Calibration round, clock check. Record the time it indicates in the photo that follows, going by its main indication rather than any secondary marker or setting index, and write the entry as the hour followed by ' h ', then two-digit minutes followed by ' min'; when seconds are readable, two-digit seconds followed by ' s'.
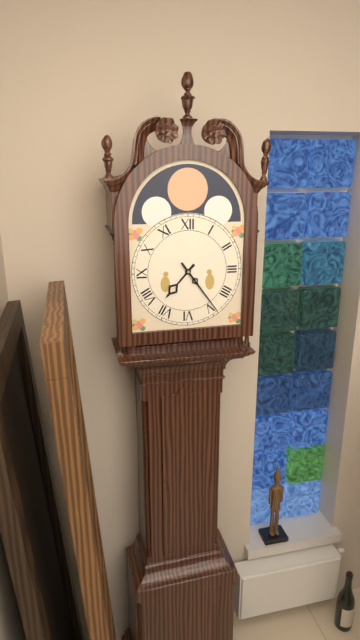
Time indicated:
7 h 24 min
